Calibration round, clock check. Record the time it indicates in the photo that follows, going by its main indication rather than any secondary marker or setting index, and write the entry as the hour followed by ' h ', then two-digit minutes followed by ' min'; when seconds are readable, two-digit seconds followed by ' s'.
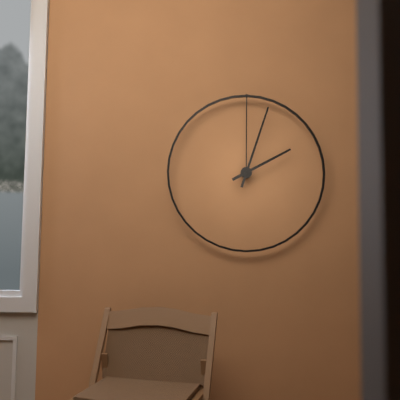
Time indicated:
2 h 03 min
